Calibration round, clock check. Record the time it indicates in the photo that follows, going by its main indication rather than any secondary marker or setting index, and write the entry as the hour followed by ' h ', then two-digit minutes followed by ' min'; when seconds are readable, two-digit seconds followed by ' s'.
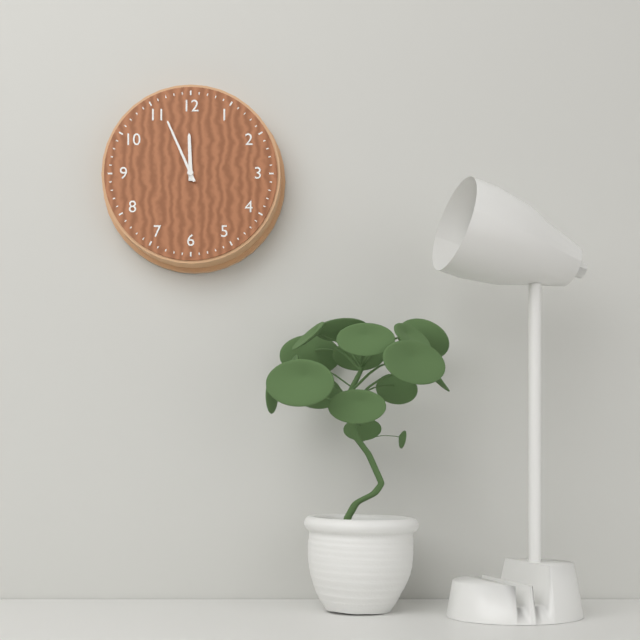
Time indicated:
11 h 56 min
